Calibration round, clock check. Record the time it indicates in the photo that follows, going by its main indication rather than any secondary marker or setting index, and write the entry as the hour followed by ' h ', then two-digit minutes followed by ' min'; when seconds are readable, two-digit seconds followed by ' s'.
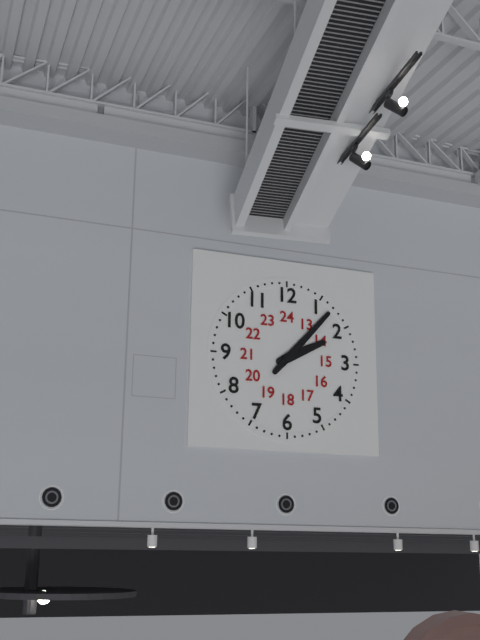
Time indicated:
2 h 07 min
